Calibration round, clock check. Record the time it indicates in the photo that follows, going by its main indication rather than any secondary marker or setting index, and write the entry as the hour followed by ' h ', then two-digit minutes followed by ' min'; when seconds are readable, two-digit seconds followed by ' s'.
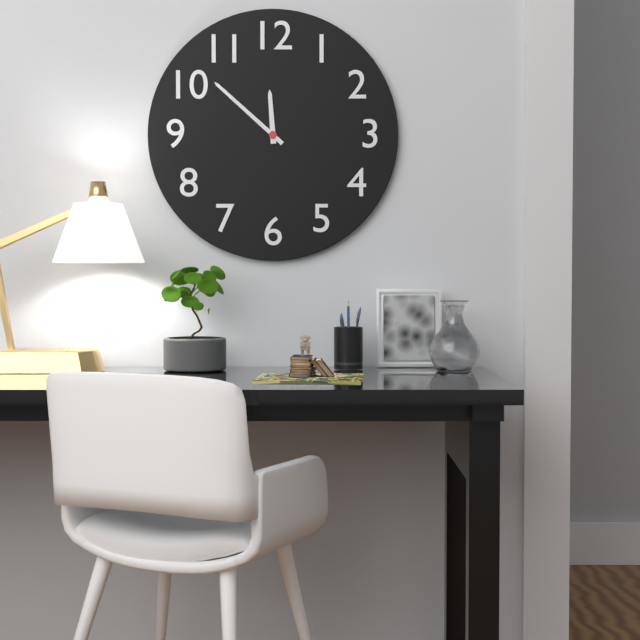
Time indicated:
11 h 52 min
